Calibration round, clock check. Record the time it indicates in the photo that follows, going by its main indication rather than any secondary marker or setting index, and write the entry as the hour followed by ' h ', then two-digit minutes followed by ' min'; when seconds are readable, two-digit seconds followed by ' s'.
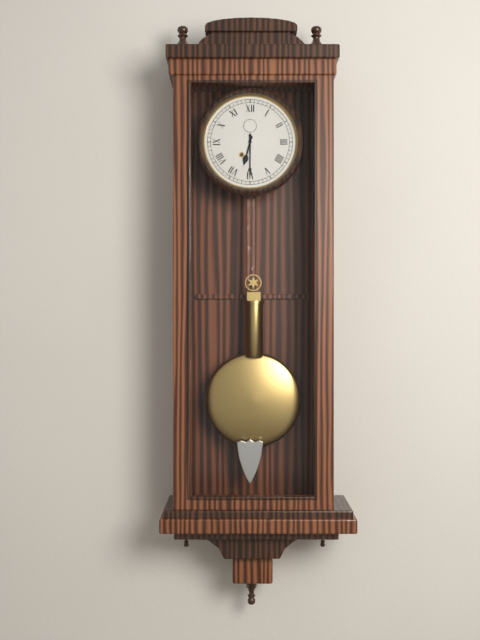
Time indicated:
6 h 30 min
